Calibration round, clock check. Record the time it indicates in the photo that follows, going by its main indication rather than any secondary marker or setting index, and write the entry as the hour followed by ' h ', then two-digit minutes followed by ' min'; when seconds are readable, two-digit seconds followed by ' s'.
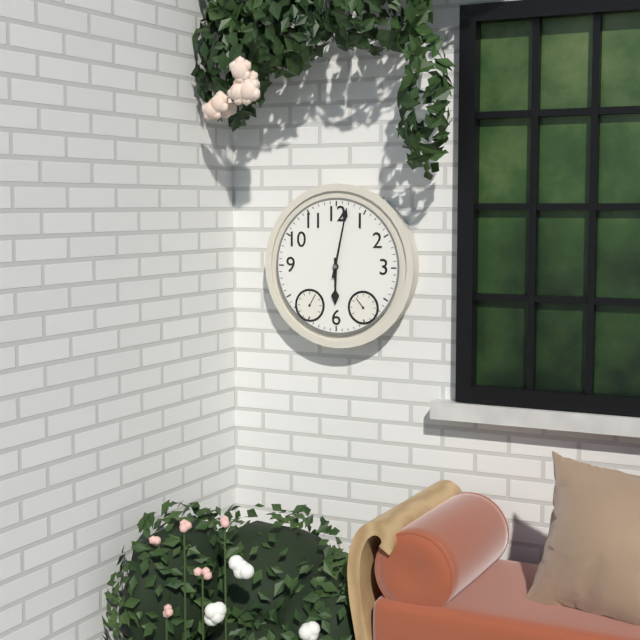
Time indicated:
6 h 02 min
